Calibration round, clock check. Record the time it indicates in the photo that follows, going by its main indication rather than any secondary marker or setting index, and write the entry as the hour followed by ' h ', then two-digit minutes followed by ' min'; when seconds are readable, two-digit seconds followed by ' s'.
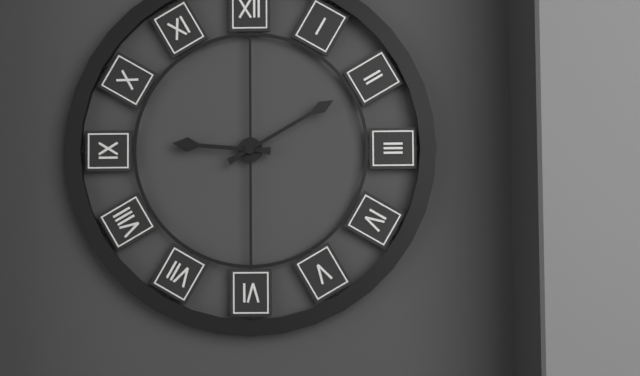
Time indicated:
9 h 10 min
